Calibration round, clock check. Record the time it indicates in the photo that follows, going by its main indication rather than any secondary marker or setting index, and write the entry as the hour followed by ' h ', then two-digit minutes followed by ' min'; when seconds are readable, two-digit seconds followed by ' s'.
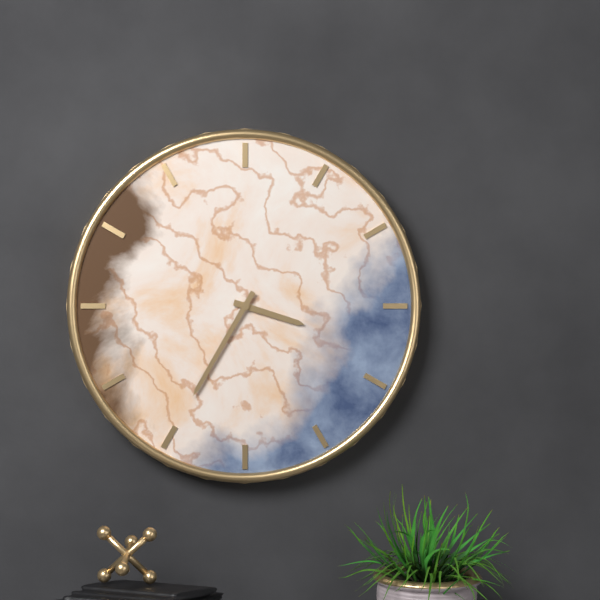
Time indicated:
3 h 35 min
